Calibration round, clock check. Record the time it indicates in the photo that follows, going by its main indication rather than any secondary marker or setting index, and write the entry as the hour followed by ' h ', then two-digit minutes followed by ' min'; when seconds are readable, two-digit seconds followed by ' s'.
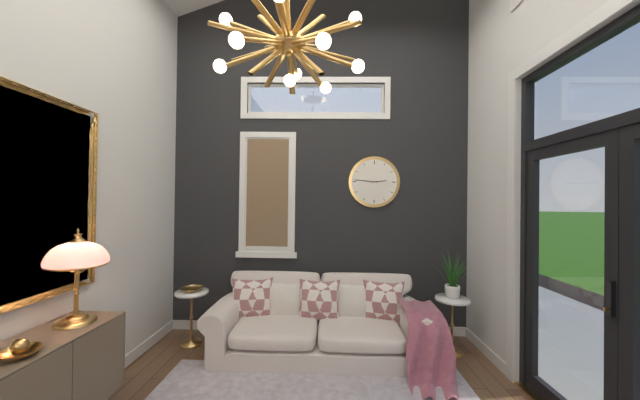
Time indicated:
2 h 46 min
